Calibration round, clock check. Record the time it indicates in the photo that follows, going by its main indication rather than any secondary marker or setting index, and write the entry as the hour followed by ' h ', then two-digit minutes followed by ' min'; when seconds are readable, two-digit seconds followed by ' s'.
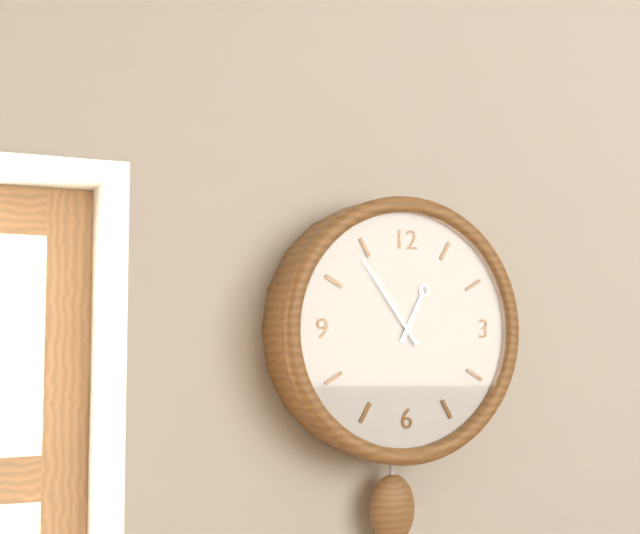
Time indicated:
12 h 54 min
